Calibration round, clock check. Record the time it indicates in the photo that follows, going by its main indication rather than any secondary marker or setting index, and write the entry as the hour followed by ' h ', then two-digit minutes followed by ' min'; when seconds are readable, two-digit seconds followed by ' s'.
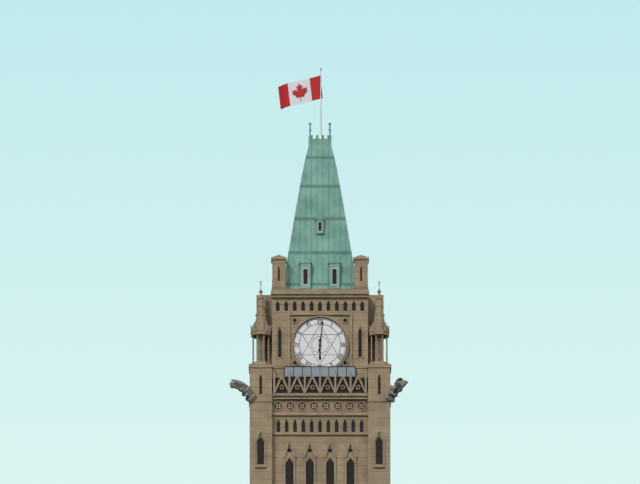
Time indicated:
6 h 01 min
